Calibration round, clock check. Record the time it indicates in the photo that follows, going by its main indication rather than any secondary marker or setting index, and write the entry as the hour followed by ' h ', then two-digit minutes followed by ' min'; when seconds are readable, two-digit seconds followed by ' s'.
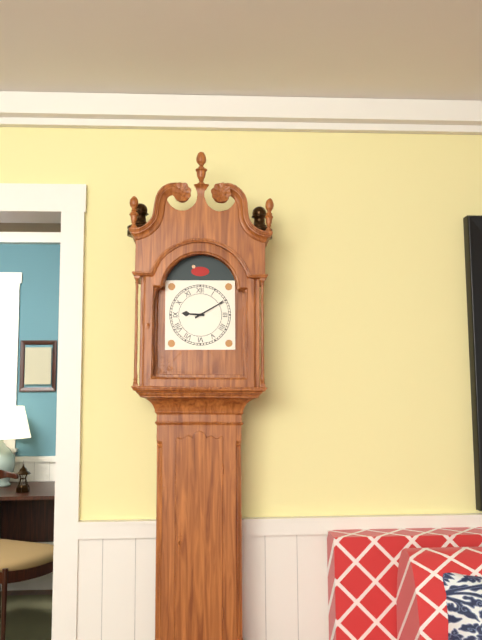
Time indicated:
9 h 10 min
